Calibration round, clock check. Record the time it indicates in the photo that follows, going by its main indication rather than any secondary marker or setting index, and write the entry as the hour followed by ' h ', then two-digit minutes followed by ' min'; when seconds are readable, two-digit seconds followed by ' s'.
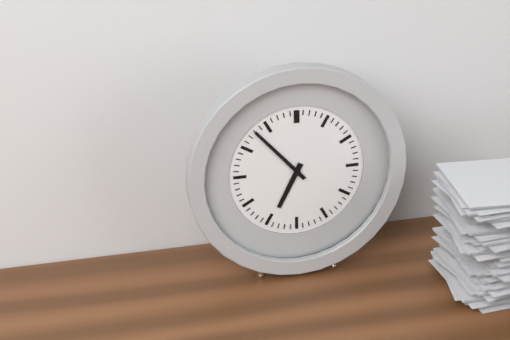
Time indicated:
6 h 53 min
